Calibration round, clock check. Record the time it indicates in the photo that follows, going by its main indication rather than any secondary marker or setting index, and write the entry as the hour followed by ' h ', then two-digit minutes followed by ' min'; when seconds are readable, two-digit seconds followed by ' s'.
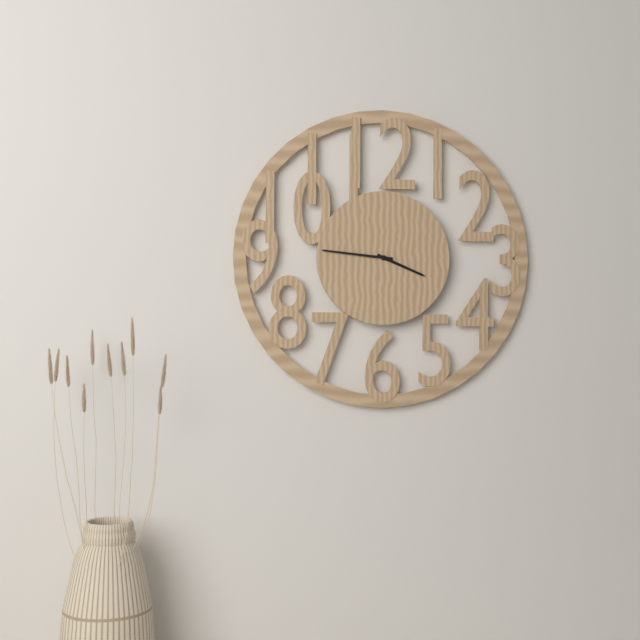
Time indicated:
3 h 46 min
